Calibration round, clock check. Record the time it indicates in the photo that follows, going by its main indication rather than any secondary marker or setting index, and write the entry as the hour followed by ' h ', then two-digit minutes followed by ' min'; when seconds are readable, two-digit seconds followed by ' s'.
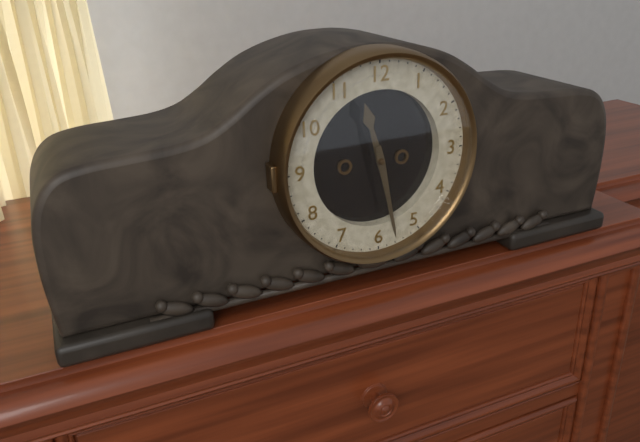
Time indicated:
11 h 28 min
